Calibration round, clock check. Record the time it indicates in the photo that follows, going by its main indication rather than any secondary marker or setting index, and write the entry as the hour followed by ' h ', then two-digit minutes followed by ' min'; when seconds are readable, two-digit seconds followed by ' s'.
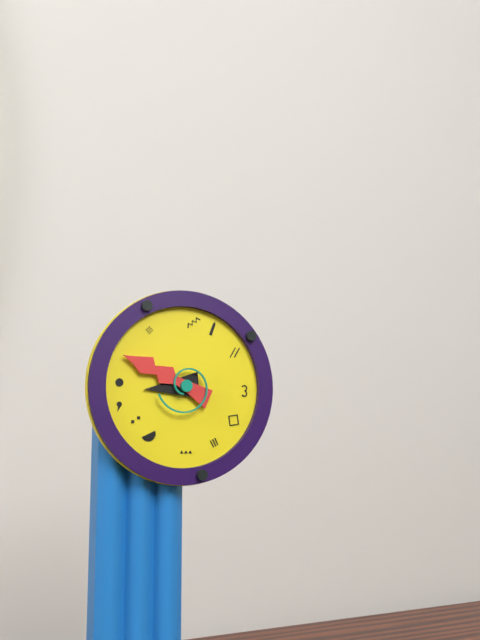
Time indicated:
8 h 49 min
